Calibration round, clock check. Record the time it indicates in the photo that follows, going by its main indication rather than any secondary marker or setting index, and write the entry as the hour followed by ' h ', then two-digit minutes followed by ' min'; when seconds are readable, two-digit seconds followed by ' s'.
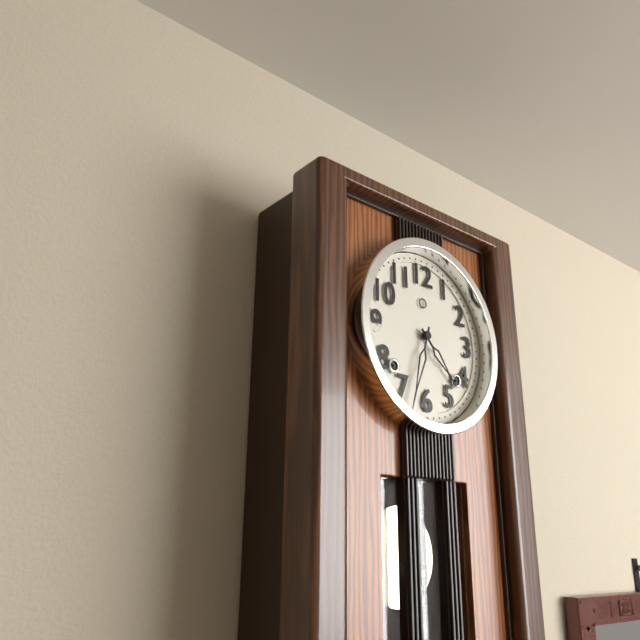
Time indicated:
4 h 33 min
